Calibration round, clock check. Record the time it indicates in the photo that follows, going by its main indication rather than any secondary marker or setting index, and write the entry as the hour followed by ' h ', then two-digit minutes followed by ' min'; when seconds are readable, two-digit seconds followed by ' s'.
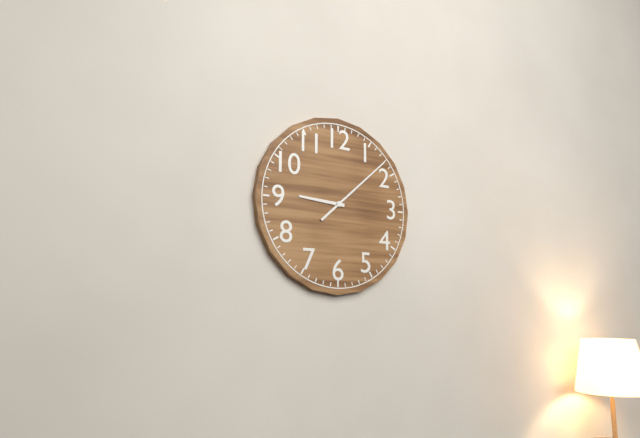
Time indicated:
9 h 08 min
